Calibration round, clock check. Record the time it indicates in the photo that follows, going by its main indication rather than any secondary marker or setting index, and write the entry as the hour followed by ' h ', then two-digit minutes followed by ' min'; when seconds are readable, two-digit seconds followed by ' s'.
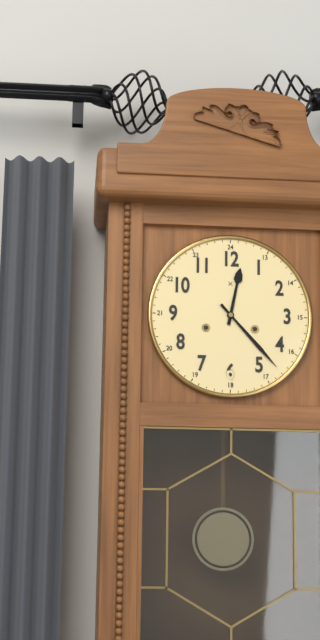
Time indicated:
12 h 23 min
